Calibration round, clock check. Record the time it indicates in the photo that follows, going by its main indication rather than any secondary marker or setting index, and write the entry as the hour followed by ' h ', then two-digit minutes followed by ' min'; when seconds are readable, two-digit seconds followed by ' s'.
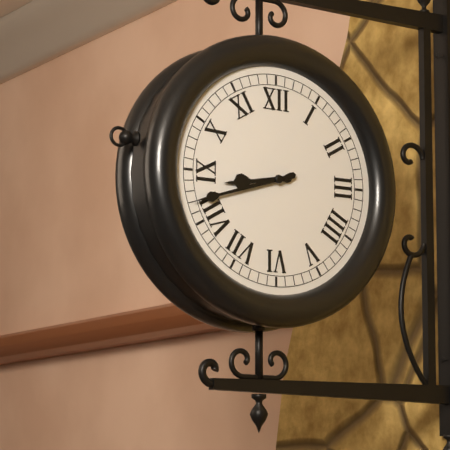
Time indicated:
8 h 42 min
